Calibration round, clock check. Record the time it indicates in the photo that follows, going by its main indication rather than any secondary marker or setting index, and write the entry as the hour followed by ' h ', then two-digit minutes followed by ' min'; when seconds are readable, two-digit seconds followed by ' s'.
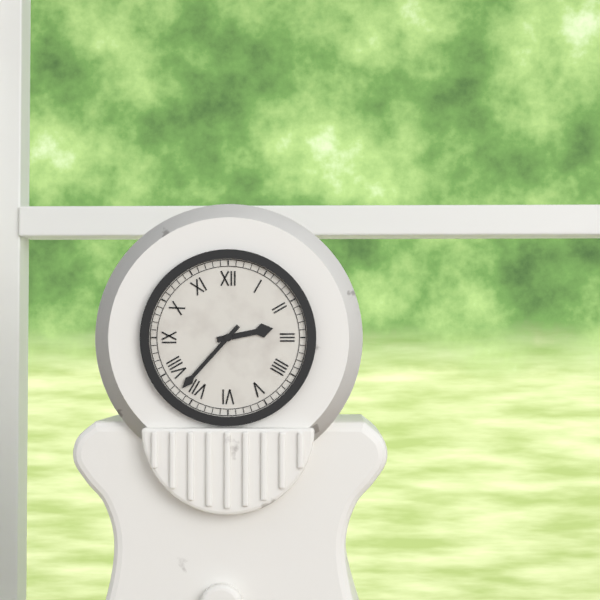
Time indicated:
2 h 37 min
